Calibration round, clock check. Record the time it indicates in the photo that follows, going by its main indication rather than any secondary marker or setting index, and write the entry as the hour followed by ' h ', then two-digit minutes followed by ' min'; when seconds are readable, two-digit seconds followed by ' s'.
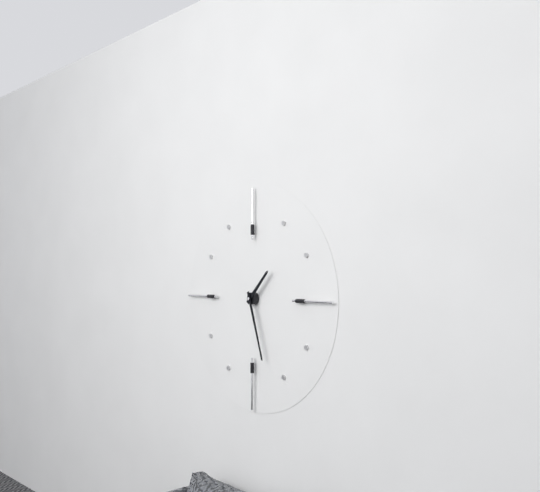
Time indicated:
1 h 27 min
